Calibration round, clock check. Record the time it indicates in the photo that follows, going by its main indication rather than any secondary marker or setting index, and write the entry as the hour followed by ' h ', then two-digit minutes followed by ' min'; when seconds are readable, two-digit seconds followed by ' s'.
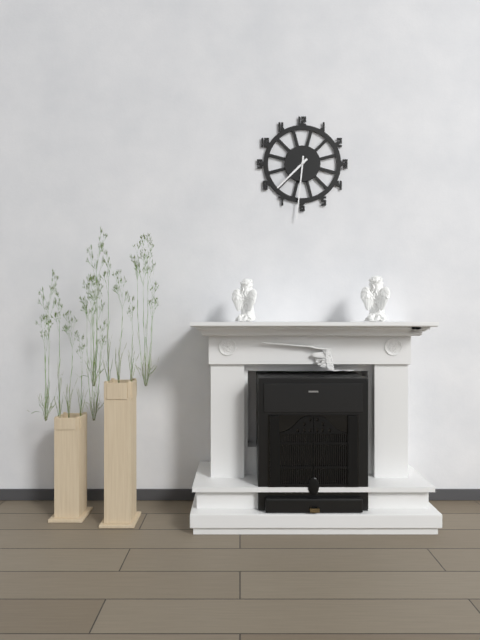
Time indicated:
7 h 31 min
